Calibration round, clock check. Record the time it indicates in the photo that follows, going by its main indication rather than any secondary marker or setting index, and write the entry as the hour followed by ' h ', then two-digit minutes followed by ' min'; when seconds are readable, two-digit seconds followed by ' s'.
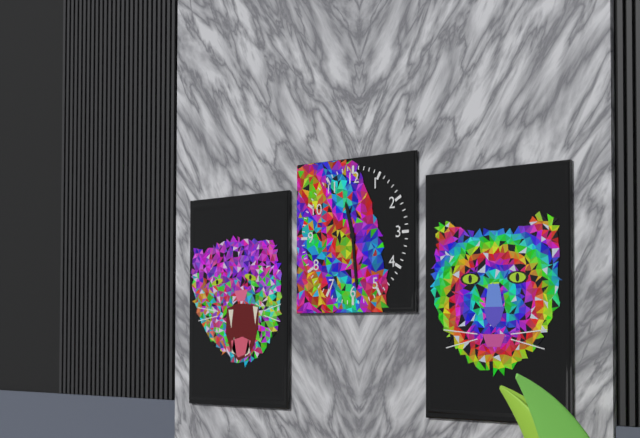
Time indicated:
11 h 29 min
